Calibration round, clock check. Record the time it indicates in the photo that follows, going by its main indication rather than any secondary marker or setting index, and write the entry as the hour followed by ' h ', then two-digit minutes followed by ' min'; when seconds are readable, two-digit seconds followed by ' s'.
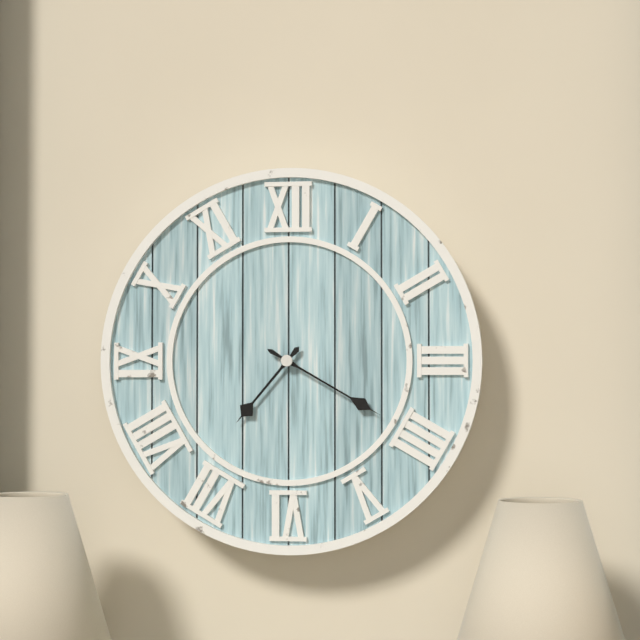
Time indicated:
7 h 20 min
